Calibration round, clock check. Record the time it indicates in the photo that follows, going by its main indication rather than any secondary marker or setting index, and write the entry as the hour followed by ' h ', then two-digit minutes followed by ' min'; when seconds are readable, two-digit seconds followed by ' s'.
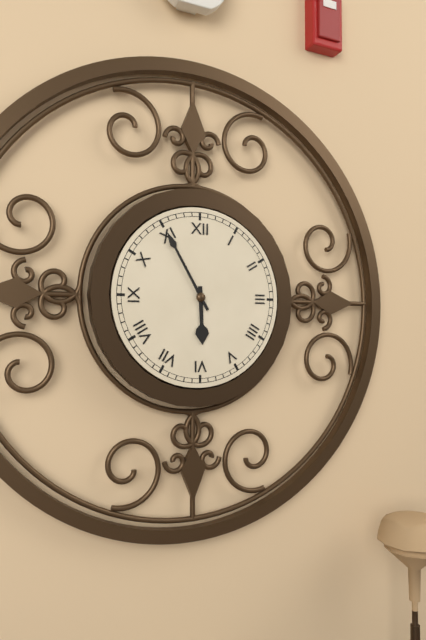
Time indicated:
5 h 55 min
